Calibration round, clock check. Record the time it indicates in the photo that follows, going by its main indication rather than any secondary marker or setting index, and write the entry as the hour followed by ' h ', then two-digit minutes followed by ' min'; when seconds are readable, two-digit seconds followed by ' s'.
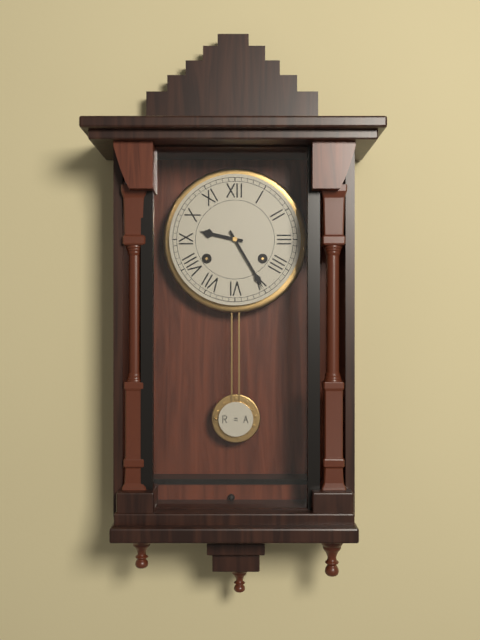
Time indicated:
9 h 25 min
